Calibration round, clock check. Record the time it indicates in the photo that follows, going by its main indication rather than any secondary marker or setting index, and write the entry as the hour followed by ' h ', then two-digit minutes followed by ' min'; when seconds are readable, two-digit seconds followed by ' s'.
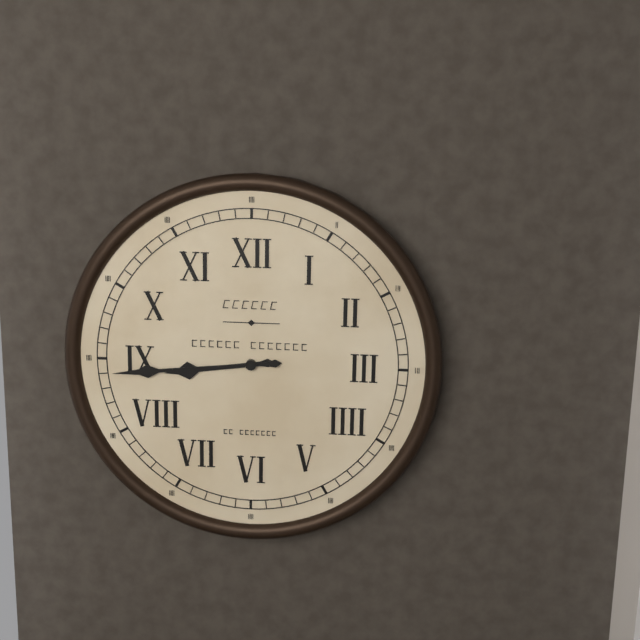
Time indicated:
8 h 44 min
